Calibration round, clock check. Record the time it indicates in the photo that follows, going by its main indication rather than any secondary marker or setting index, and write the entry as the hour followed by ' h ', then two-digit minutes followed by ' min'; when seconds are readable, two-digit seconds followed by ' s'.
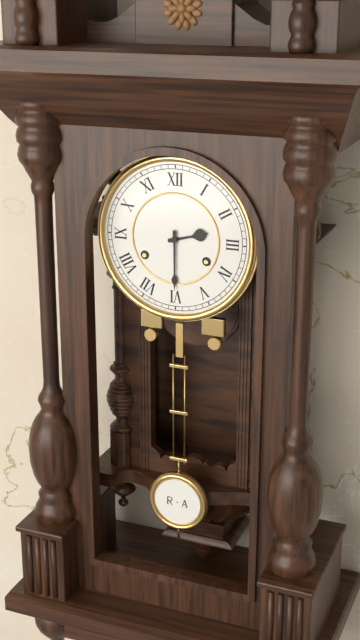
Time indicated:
2 h 30 min
